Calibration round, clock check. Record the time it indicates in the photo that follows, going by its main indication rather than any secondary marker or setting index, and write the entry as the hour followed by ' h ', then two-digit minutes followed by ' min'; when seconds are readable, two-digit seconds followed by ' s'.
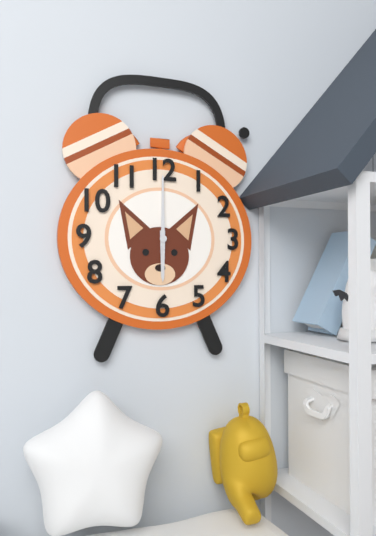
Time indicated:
6 h 00 min
